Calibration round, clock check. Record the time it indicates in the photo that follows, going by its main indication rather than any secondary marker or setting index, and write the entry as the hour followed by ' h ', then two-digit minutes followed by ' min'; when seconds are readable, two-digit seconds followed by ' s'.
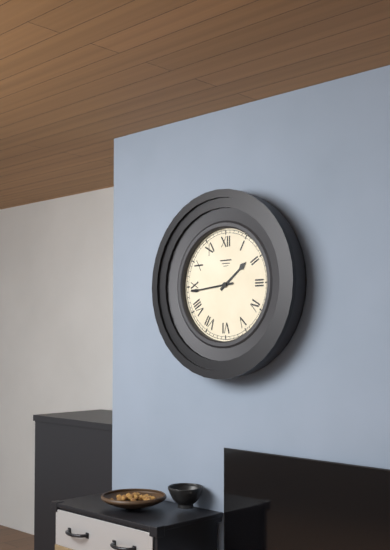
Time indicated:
1 h 44 min
